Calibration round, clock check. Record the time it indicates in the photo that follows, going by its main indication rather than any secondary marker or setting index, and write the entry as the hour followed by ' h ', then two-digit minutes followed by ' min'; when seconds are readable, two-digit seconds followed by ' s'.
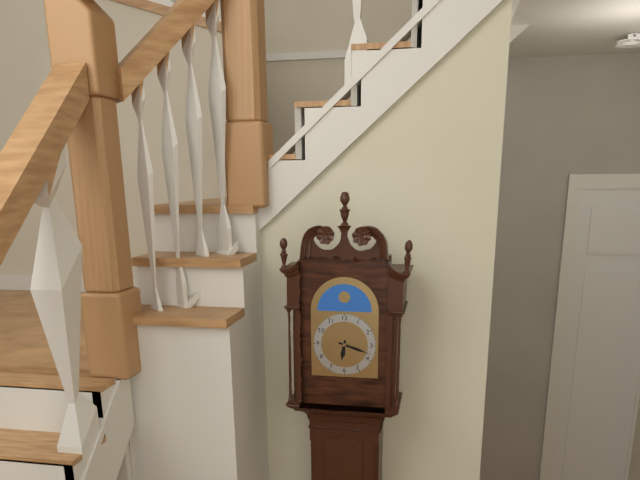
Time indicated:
6 h 18 min
